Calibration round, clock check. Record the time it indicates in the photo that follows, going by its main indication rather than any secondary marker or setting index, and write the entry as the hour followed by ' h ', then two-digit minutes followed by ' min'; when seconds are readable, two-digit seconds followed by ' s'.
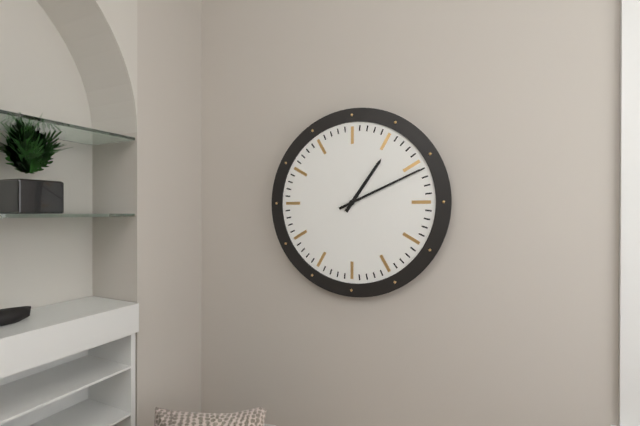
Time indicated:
1 h 11 min
